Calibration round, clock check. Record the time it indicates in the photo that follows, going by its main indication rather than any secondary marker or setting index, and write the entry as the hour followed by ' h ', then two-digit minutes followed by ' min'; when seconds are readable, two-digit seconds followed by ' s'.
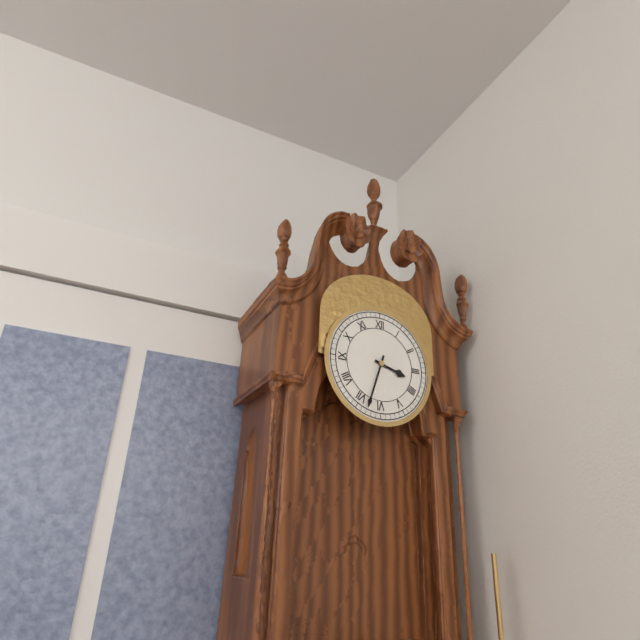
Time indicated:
3 h 33 min
